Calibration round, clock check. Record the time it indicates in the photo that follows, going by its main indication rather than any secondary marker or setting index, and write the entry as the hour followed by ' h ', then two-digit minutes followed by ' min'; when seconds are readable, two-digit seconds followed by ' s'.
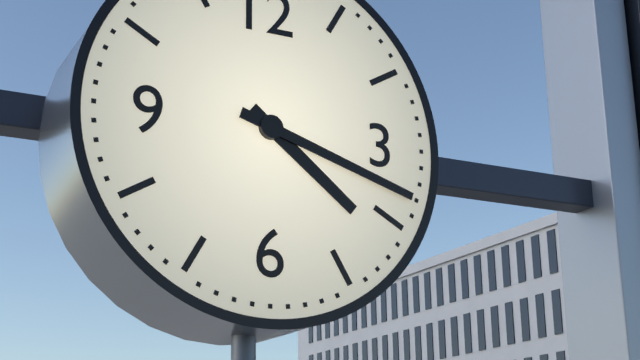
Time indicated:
4 h 18 min
